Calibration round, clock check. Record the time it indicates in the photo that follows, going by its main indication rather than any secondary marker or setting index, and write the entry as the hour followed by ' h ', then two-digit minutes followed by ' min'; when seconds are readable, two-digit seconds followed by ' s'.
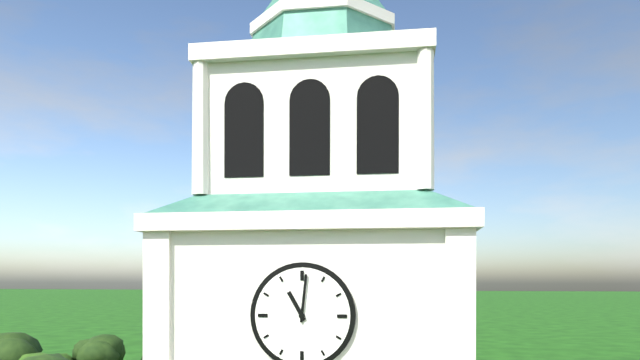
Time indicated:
11 h 01 min
